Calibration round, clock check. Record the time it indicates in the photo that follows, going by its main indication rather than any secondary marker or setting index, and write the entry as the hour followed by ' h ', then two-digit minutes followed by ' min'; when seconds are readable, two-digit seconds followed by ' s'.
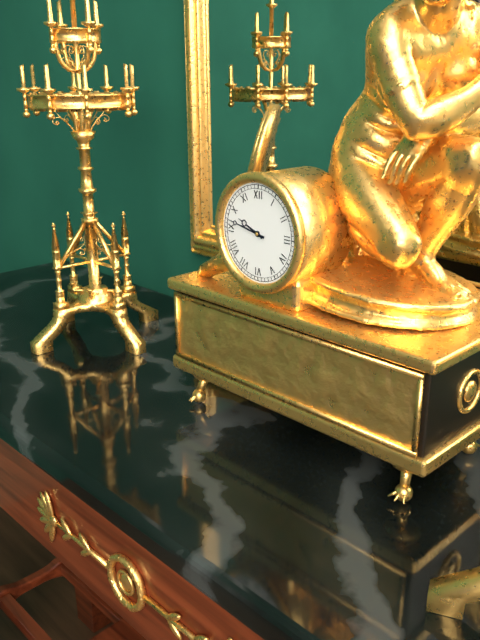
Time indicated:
9 h 47 min
